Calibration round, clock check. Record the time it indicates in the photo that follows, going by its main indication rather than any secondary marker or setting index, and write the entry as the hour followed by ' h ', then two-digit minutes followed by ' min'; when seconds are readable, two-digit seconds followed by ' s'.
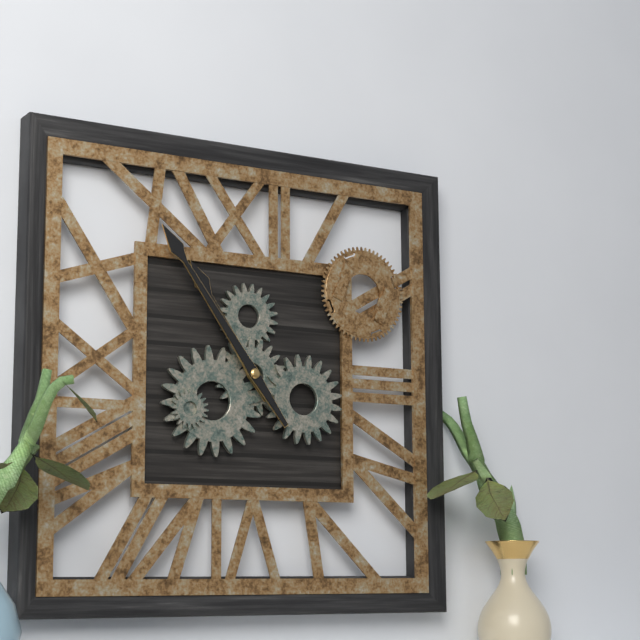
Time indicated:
10 h 54 min
